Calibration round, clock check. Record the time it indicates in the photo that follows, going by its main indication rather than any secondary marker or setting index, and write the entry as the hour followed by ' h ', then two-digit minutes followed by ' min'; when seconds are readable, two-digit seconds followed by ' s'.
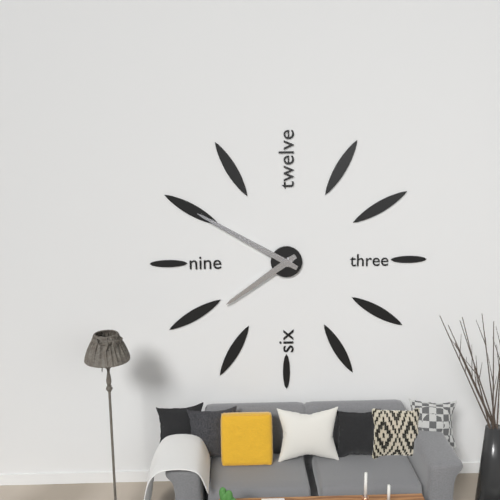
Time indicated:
7 h 50 min
